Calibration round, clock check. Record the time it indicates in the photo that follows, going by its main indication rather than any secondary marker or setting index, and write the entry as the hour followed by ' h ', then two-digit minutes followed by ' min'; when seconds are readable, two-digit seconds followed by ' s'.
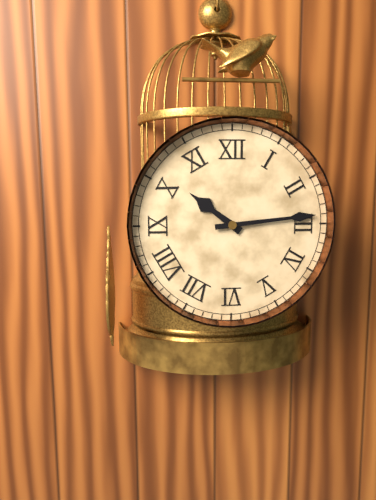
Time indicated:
10 h 14 min
